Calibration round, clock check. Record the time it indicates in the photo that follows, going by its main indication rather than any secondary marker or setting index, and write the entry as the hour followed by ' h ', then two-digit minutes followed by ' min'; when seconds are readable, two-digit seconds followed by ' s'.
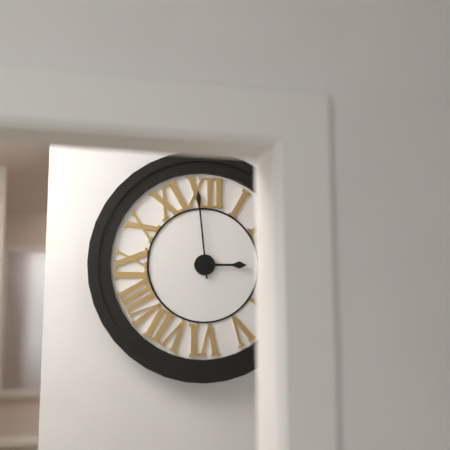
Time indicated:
2 h 59 min
